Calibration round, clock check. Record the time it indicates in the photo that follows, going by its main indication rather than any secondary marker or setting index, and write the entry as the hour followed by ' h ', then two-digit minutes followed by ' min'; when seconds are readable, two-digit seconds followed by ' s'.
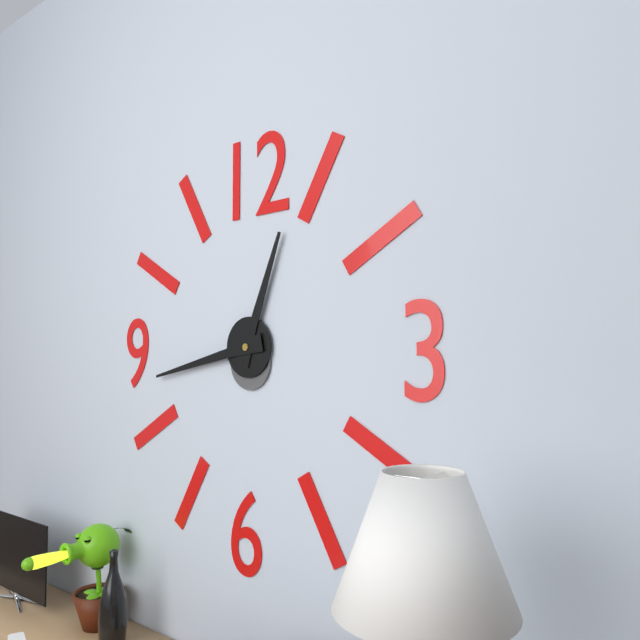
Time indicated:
12 h 43 min
